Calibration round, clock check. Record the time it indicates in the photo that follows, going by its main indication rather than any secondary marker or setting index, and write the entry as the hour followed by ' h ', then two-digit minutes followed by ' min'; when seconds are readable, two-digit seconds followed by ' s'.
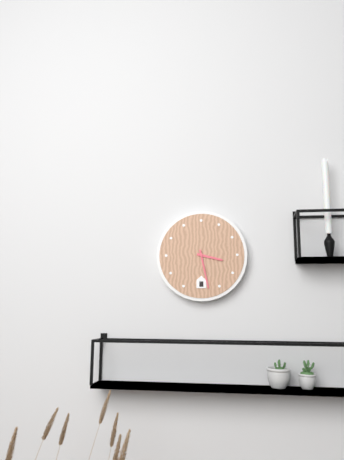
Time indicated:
3 h 28 min
